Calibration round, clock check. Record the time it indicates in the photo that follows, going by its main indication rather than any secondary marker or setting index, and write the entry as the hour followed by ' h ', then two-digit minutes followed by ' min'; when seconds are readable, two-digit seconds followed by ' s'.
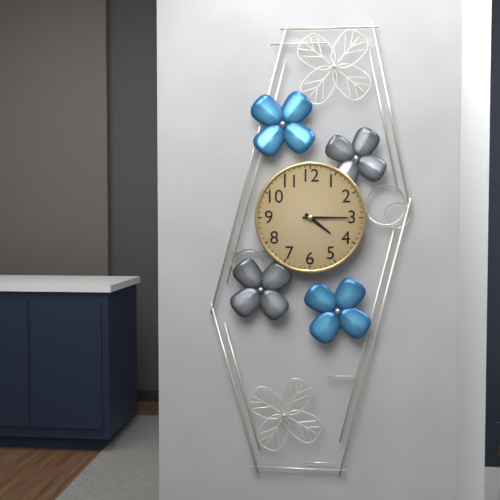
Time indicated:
4 h 15 min
